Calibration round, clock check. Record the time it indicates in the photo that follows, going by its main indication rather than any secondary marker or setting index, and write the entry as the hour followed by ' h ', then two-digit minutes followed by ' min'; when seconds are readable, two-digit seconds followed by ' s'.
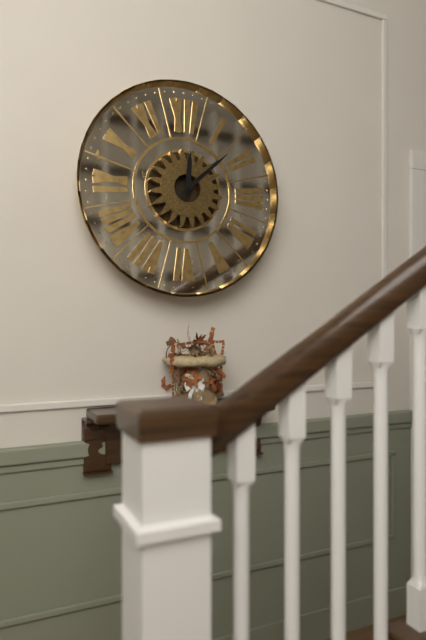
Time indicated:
12 h 08 min
